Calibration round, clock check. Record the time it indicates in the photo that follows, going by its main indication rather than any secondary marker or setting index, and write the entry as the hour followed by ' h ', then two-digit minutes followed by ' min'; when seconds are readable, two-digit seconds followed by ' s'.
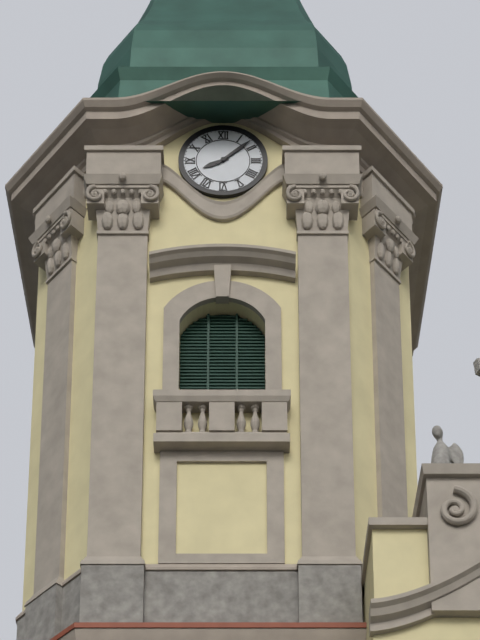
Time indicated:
8 h 08 min
